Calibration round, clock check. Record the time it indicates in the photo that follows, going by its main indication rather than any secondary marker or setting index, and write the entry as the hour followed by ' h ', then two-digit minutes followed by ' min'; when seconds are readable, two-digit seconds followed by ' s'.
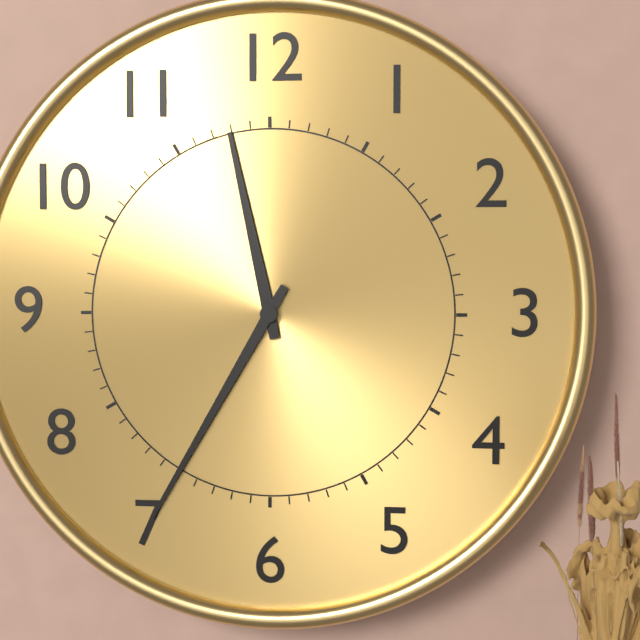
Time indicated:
11 h 35 min
